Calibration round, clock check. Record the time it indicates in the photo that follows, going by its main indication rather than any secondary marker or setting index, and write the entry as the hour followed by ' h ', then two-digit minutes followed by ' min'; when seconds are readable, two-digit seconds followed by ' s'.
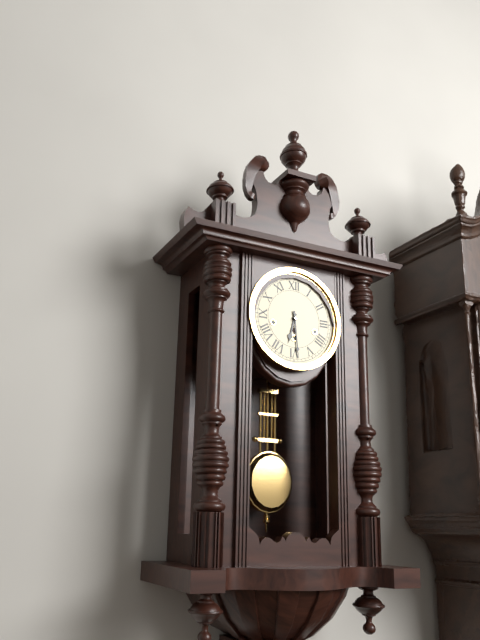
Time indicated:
6 h 29 min
